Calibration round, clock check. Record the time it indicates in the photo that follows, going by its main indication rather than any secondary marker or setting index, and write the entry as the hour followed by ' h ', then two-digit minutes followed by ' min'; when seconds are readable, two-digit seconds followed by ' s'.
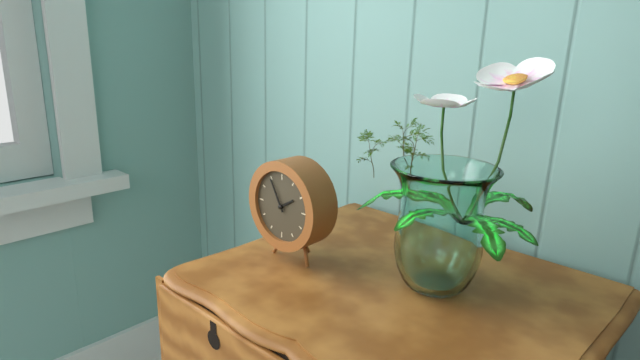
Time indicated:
1 h 55 min
